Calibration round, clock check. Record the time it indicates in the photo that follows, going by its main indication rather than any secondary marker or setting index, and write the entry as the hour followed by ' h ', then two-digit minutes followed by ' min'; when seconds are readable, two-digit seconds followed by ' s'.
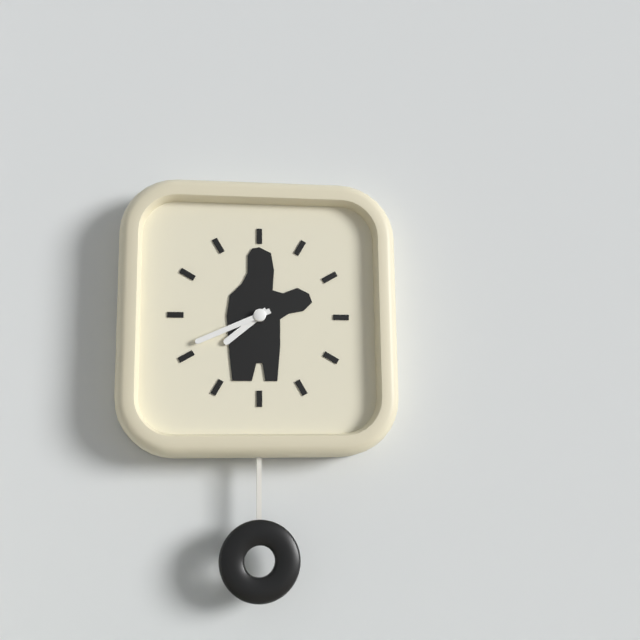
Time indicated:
7 h 41 min
